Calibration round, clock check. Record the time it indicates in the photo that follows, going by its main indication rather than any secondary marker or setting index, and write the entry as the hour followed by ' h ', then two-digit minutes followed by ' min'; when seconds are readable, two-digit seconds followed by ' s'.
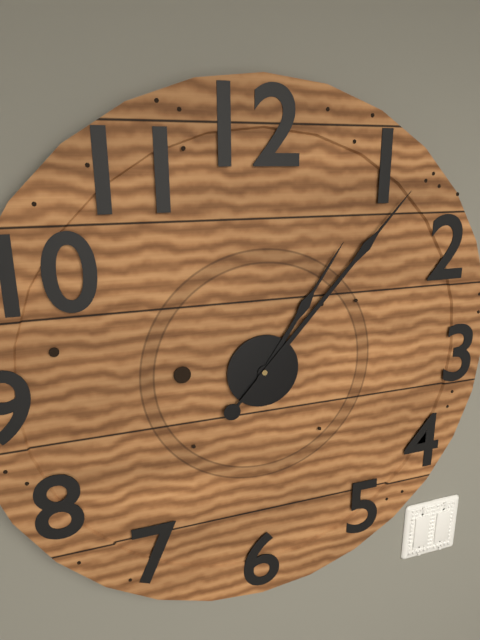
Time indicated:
1 h 07 min
